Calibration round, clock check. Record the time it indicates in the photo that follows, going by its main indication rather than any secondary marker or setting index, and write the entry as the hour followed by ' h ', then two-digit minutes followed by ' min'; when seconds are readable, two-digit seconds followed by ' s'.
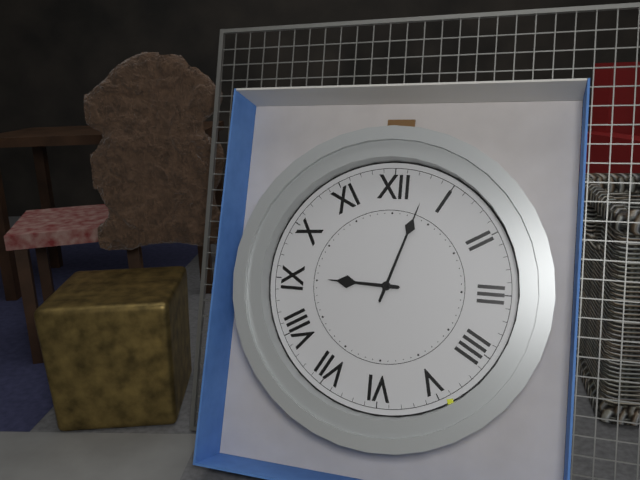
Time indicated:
9 h 03 min
